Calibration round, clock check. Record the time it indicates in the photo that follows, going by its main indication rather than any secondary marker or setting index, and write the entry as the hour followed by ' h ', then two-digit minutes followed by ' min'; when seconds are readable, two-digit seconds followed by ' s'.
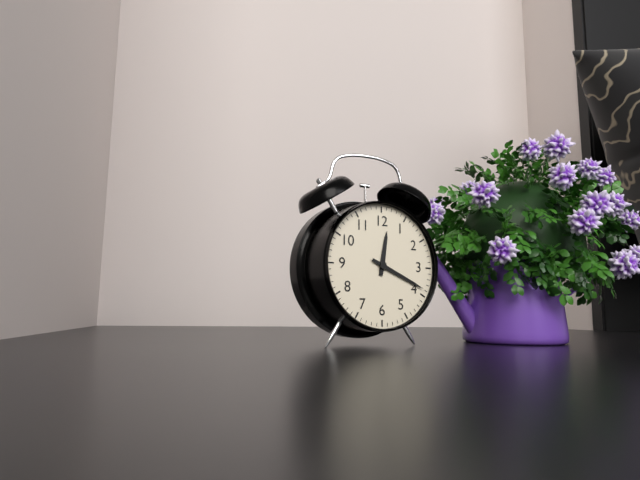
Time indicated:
12 h 19 min
